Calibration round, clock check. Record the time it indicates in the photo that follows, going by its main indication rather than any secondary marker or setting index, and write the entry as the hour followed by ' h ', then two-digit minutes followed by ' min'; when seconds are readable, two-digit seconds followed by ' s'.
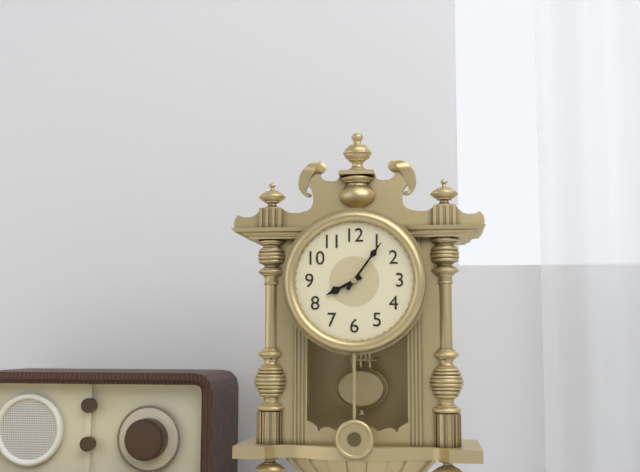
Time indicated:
8 h 06 min
